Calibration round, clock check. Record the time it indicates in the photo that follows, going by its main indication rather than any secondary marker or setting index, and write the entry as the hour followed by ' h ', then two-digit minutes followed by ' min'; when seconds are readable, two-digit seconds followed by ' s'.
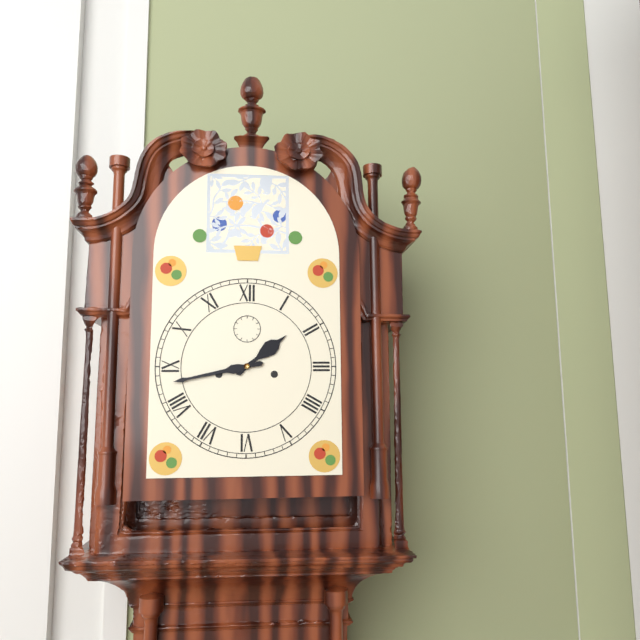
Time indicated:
1 h 43 min
